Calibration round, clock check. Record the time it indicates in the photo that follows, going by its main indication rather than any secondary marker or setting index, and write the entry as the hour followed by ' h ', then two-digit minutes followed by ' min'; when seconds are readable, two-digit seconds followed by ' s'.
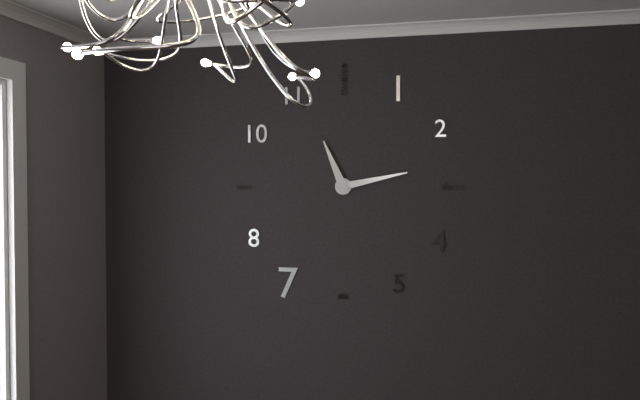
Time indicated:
11 h 13 min
